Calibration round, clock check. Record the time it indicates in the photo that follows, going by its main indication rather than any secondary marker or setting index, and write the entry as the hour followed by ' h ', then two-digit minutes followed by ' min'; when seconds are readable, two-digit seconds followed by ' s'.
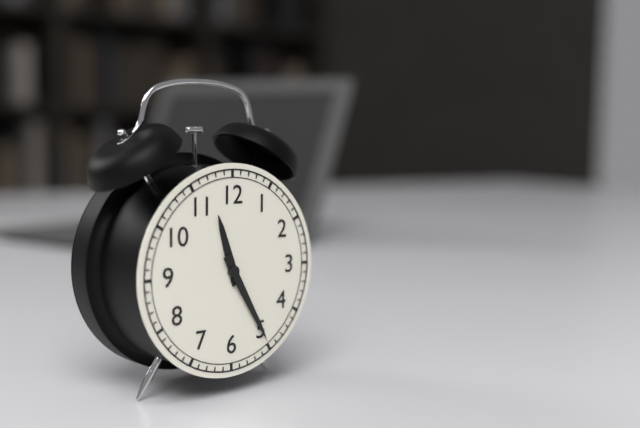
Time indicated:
11 h 25 min
